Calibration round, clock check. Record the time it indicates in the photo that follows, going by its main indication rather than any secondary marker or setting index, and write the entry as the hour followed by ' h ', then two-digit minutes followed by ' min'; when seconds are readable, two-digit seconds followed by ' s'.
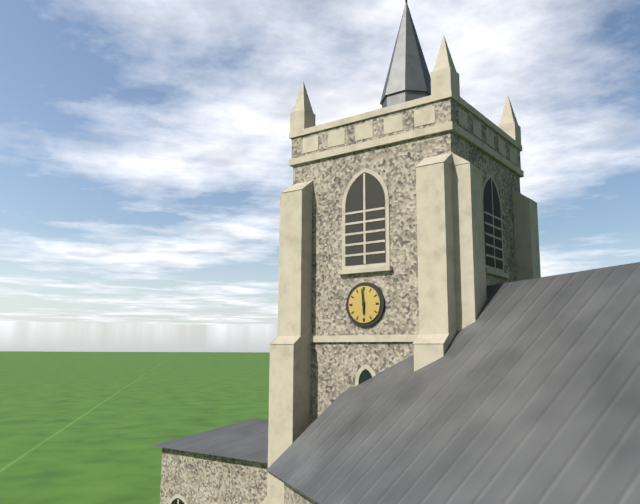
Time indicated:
5 h 59 min
